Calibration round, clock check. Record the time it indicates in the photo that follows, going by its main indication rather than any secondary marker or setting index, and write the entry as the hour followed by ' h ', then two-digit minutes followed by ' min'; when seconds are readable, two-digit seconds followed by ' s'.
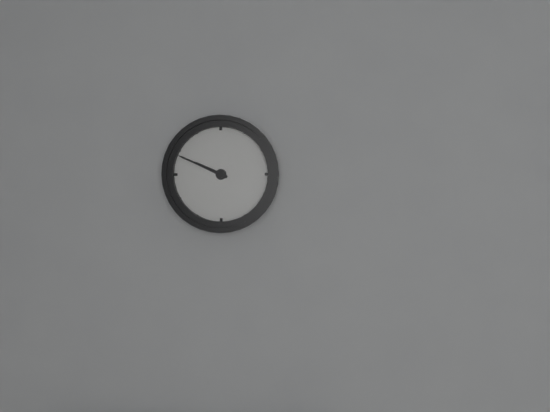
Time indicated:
9 h 49 min
